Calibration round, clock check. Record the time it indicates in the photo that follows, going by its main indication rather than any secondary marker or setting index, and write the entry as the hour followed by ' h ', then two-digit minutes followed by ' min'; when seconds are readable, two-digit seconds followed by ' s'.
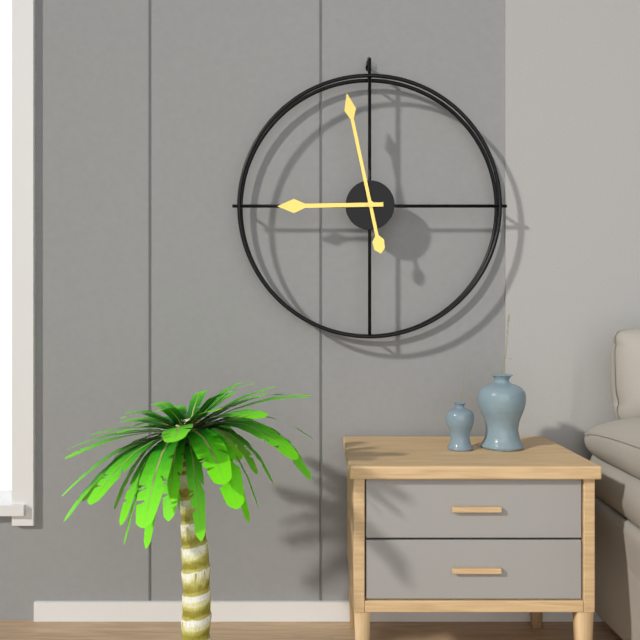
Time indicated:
8 h 58 min
